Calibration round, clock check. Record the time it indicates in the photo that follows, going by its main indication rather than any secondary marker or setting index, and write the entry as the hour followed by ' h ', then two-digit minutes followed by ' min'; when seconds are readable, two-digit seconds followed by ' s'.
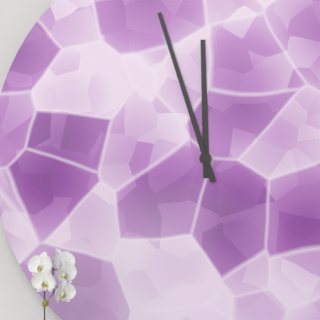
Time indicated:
11 h 57 min
